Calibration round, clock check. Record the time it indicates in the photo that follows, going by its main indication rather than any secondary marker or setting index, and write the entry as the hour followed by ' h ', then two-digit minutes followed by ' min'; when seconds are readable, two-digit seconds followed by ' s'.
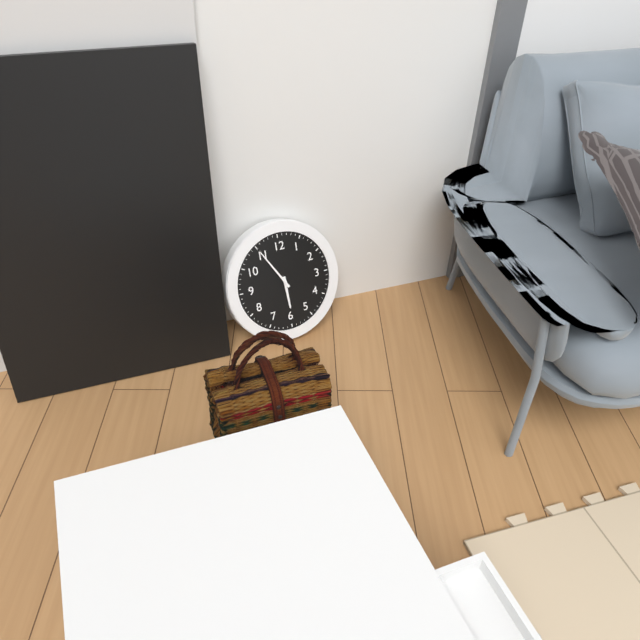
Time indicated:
5 h 55 min
